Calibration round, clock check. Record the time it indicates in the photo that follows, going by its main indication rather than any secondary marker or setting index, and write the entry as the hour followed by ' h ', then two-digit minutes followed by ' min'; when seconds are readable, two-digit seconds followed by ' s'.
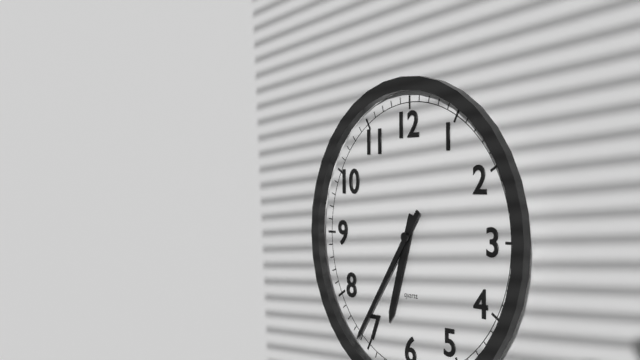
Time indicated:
6 h 36 min
